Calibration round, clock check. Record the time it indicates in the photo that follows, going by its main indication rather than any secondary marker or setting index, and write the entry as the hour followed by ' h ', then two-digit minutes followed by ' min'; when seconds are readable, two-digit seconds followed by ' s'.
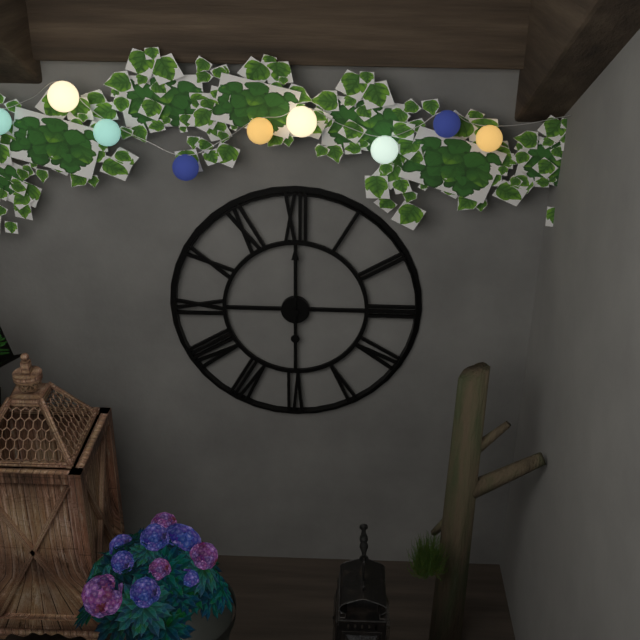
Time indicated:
6 h 00 min
